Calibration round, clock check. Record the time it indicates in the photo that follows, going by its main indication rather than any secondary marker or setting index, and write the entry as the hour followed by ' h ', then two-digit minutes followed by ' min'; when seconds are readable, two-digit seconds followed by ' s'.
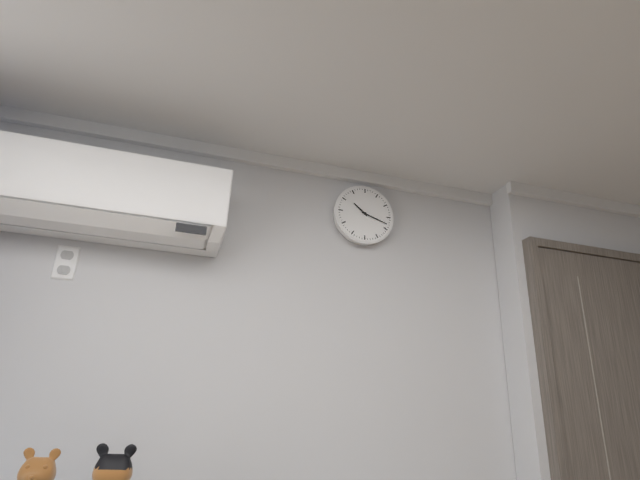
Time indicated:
10 h 18 min
